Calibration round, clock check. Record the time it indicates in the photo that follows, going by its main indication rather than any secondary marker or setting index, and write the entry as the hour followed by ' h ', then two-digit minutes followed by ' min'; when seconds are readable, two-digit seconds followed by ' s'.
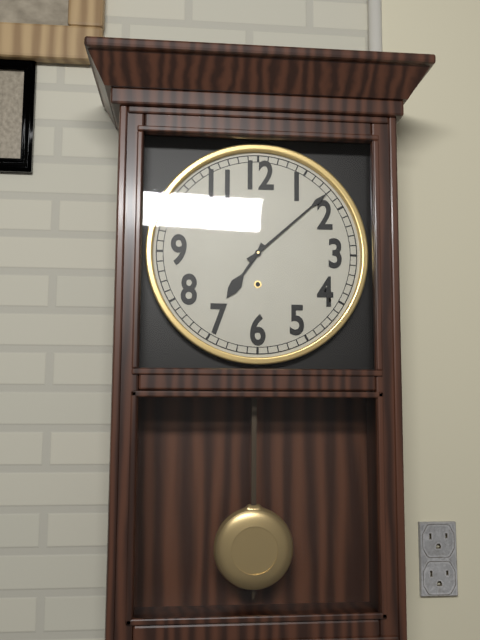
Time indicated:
7 h 08 min
